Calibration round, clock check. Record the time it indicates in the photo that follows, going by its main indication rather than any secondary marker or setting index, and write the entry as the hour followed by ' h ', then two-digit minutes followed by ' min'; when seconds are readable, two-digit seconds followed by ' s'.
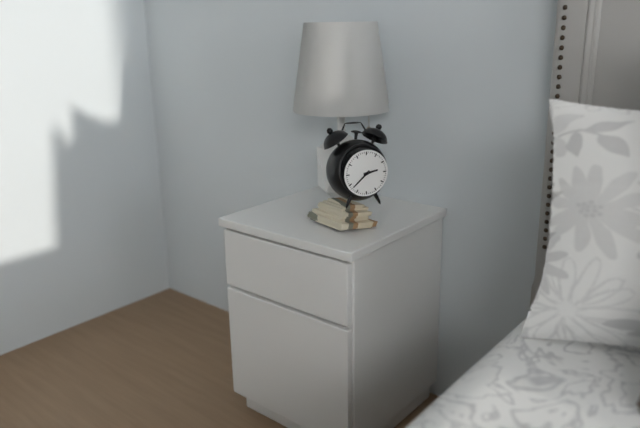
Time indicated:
2 h 38 min
